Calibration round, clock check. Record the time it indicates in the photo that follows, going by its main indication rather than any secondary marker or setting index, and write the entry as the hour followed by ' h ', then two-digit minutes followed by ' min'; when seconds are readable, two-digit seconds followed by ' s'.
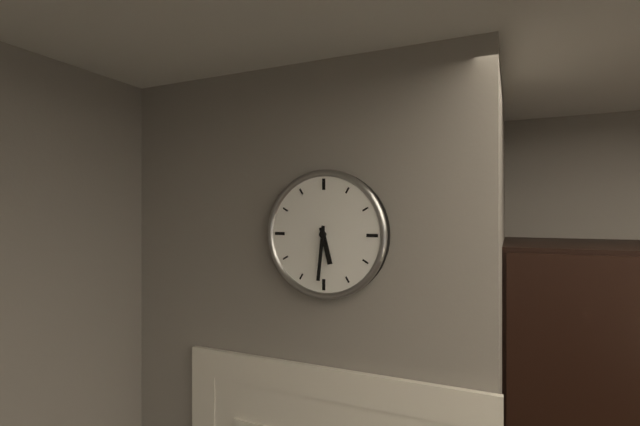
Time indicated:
5 h 31 min
